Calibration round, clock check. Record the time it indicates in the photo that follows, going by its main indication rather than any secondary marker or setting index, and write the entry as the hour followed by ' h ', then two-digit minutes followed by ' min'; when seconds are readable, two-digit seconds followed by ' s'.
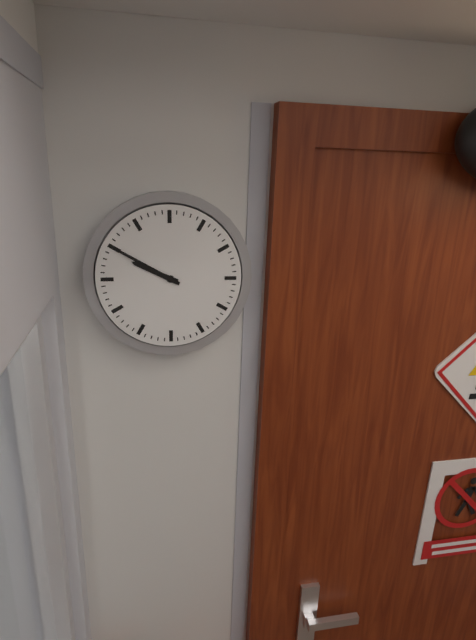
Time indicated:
9 h 50 min
